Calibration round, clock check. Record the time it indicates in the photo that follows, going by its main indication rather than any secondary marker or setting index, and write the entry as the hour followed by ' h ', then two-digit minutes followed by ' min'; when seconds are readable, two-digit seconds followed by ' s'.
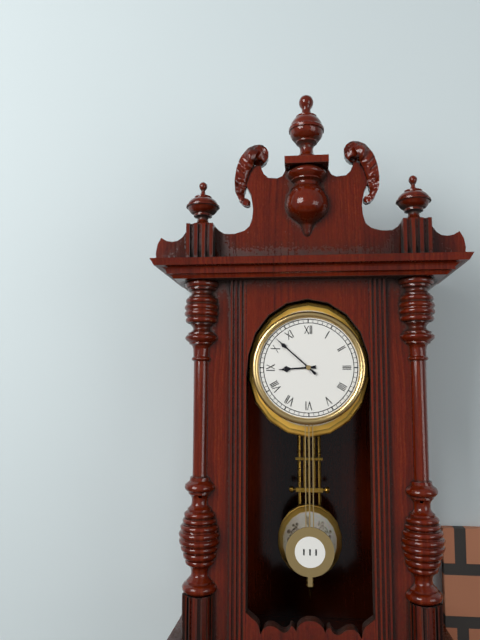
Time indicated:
8 h 52 min
